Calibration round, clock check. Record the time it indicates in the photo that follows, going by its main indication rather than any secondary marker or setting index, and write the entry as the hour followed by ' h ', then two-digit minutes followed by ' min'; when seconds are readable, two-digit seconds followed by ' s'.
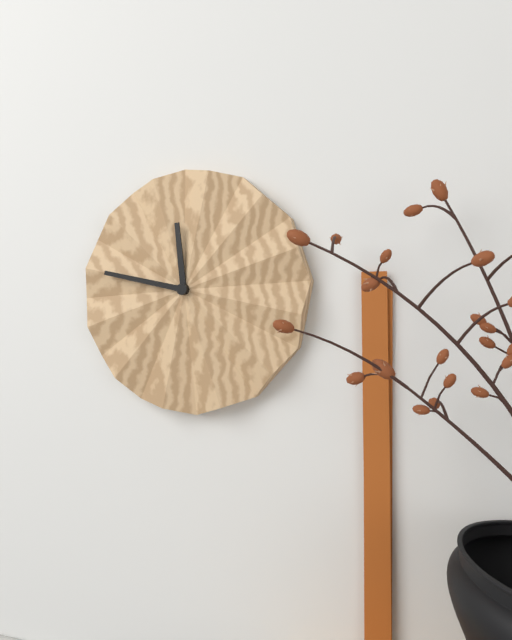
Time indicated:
11 h 47 min
